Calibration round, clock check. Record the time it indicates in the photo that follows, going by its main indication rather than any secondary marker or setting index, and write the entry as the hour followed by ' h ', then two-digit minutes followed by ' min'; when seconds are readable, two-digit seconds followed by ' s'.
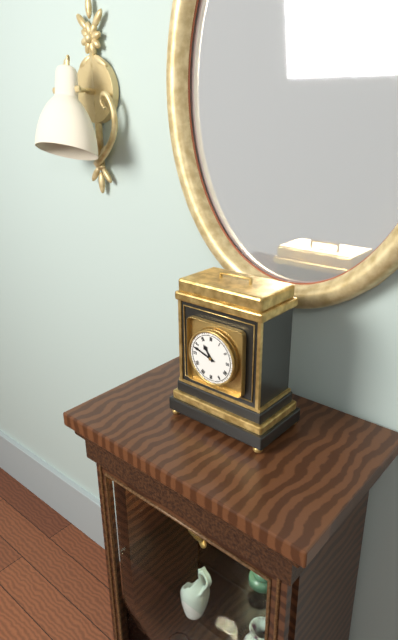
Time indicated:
10 h 48 min
